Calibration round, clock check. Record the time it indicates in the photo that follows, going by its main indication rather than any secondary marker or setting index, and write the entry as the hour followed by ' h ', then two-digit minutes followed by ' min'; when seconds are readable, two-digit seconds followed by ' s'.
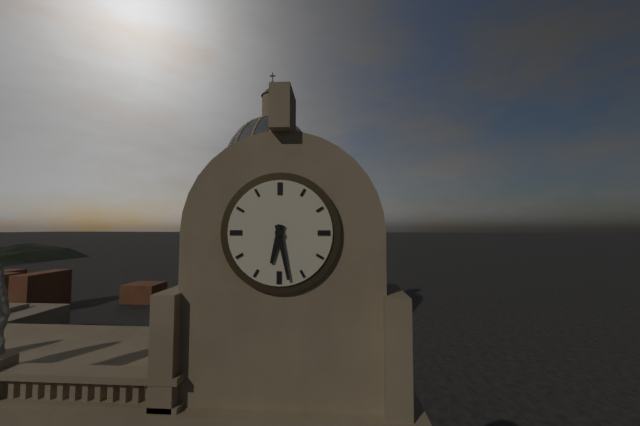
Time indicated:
6 h 28 min
